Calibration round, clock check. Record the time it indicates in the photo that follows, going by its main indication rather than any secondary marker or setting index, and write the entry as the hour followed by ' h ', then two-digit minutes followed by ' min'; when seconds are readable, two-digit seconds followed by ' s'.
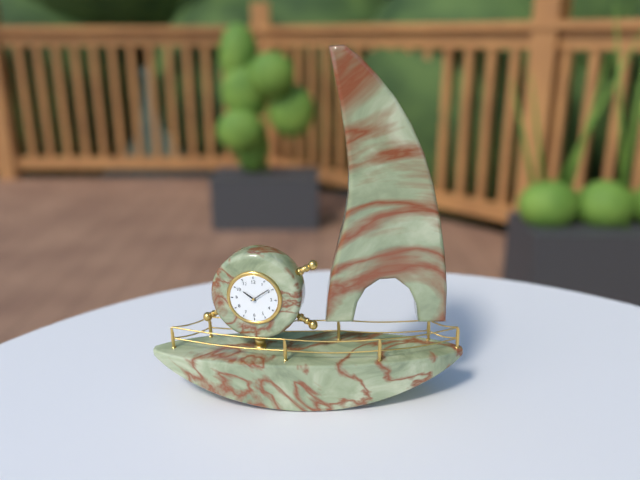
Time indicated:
10 h 09 min
